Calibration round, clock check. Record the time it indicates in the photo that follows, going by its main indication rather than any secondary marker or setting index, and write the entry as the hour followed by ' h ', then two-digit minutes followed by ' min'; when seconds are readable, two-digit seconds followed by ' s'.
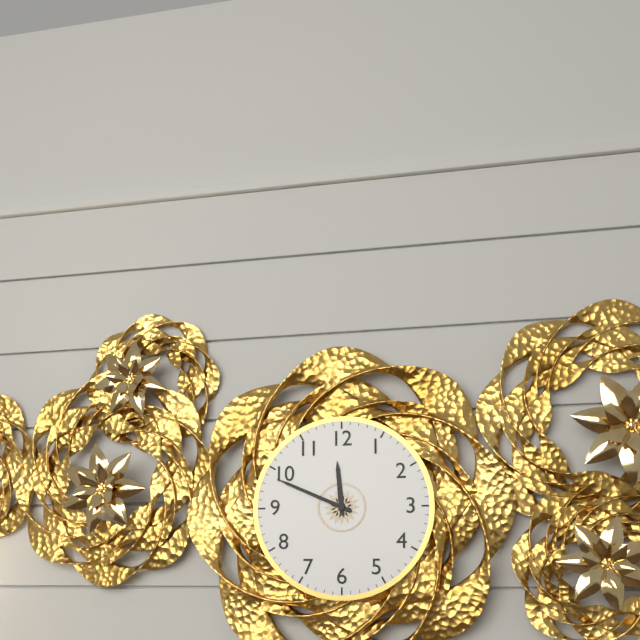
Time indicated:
11 h 49 min
